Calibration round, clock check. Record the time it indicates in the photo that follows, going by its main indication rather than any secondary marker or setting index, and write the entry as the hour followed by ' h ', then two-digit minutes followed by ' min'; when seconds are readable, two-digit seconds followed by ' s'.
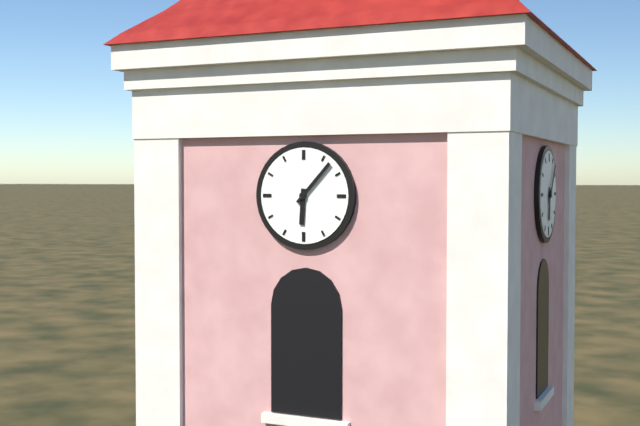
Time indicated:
6 h 07 min
